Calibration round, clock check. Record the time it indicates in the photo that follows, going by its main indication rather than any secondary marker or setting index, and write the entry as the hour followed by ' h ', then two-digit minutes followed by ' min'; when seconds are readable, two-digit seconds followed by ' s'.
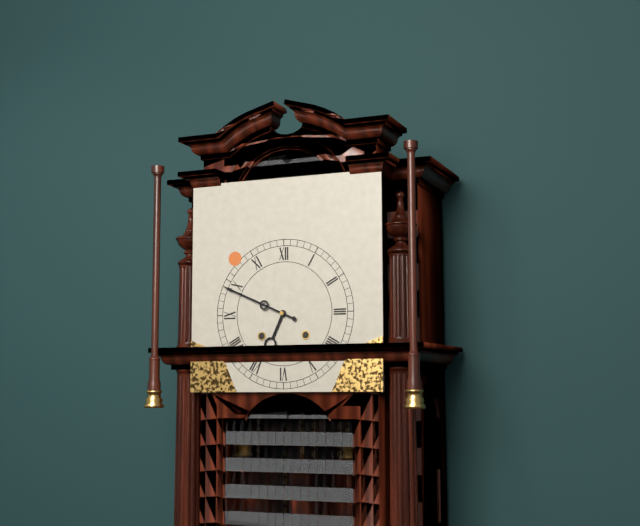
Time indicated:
6 h 49 min
